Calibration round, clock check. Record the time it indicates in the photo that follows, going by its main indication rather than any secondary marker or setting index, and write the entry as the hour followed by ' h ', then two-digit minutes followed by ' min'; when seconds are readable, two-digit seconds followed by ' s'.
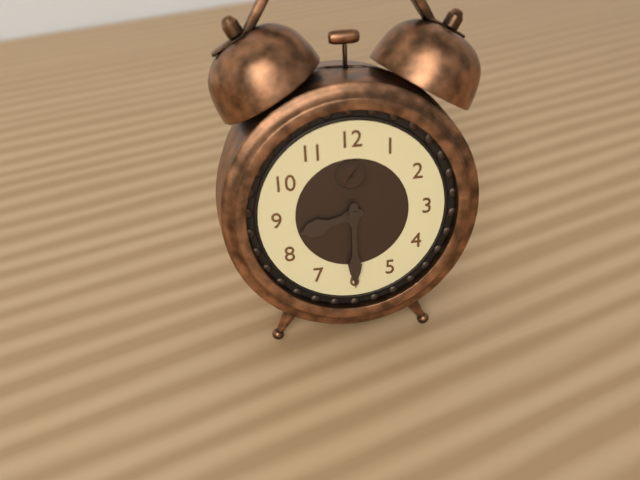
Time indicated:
8 h 30 min
